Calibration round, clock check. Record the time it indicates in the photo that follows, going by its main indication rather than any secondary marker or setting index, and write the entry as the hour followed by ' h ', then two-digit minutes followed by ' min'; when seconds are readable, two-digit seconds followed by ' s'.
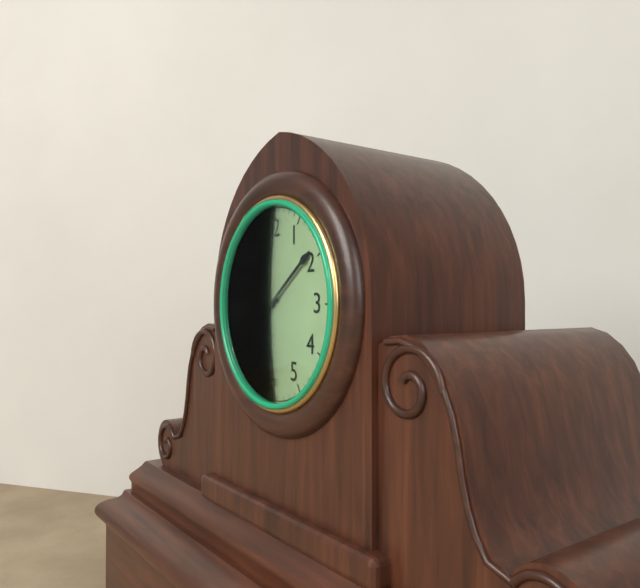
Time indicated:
8 h 09 min
